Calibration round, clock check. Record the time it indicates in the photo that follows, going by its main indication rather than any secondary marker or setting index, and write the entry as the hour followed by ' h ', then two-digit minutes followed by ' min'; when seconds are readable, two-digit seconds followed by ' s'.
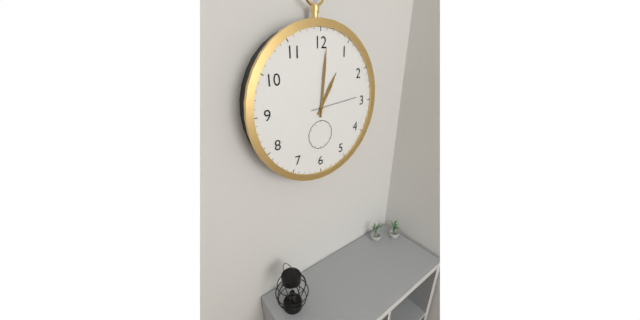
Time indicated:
1 h 01 min
